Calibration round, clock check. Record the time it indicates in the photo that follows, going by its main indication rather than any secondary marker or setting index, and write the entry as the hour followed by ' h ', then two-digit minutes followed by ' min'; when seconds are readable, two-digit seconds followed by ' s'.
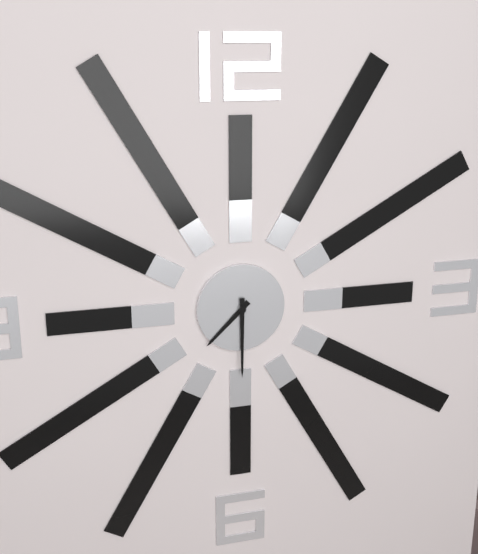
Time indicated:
7 h 30 min
